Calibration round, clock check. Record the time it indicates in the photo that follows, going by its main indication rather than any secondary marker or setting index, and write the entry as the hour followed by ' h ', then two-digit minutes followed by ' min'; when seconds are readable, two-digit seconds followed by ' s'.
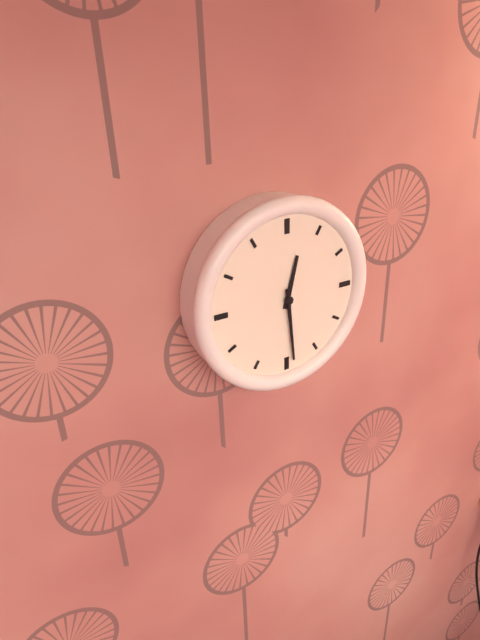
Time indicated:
12 h 29 min
